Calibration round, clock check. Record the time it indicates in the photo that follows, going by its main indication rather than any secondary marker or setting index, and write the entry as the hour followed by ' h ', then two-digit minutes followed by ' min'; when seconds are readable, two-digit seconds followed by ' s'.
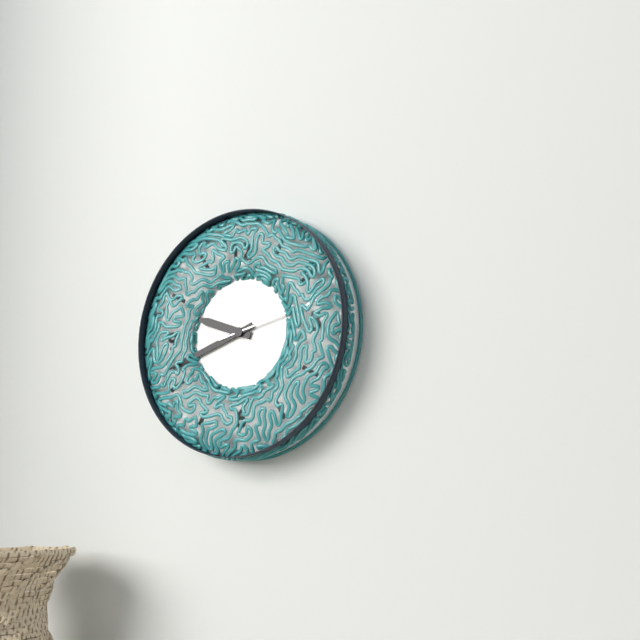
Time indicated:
9 h 42 min
